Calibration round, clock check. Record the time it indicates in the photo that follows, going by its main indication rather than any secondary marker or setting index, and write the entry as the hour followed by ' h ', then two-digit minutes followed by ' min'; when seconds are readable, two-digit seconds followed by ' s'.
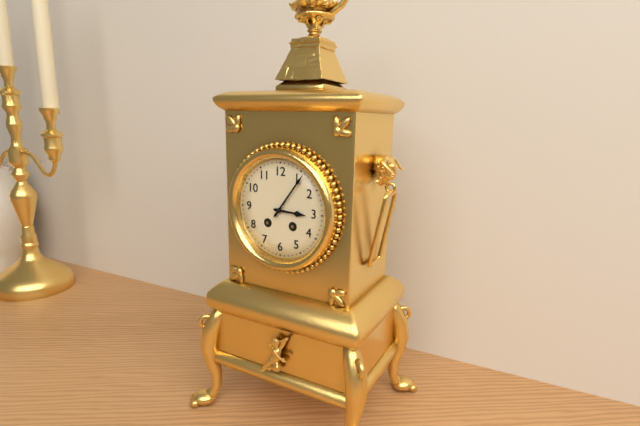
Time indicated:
3 h 06 min
